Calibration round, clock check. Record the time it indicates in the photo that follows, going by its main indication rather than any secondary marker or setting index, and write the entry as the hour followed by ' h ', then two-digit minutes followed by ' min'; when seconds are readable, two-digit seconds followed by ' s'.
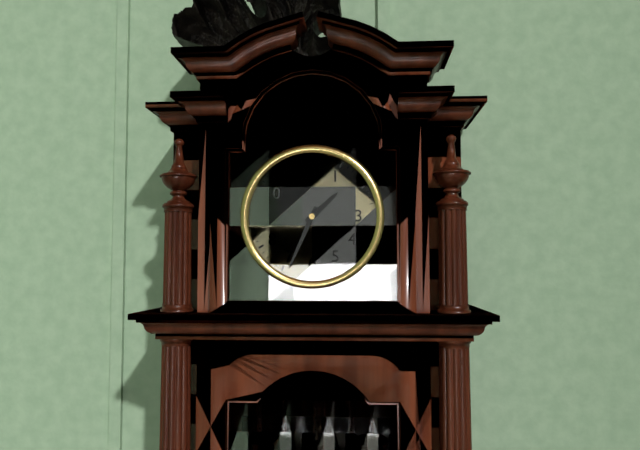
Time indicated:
1 h 34 min
